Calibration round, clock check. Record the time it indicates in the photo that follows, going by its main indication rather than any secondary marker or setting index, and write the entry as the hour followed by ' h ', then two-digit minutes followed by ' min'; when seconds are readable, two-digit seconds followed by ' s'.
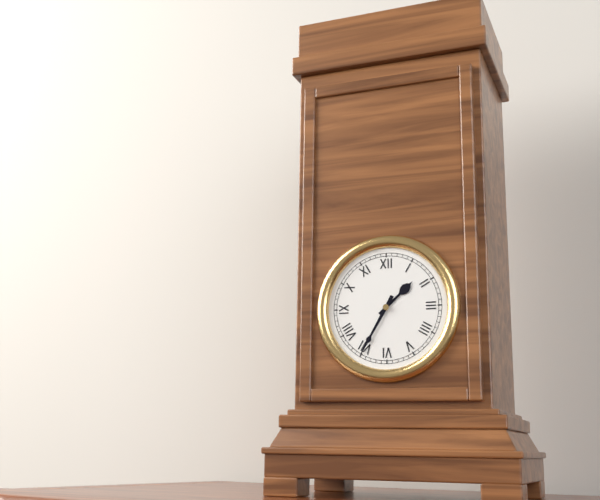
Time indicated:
1 h 35 min
